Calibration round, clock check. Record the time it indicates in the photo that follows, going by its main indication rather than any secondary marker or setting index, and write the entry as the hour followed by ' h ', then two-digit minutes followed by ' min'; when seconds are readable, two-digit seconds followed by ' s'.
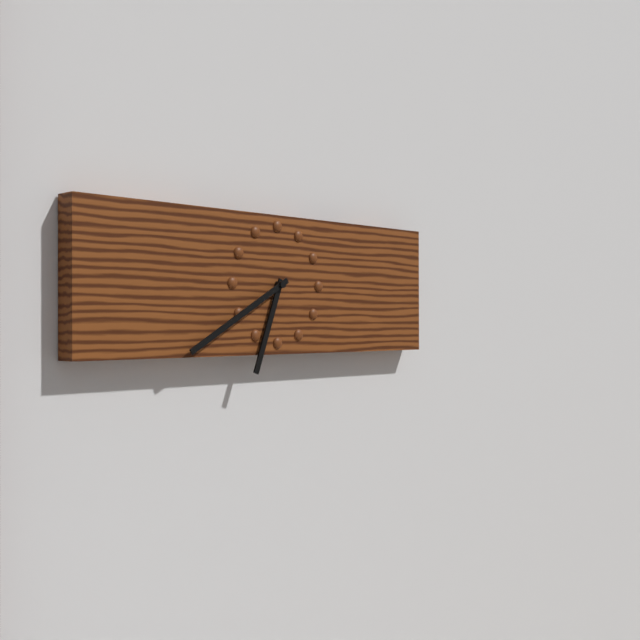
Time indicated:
6 h 40 min
